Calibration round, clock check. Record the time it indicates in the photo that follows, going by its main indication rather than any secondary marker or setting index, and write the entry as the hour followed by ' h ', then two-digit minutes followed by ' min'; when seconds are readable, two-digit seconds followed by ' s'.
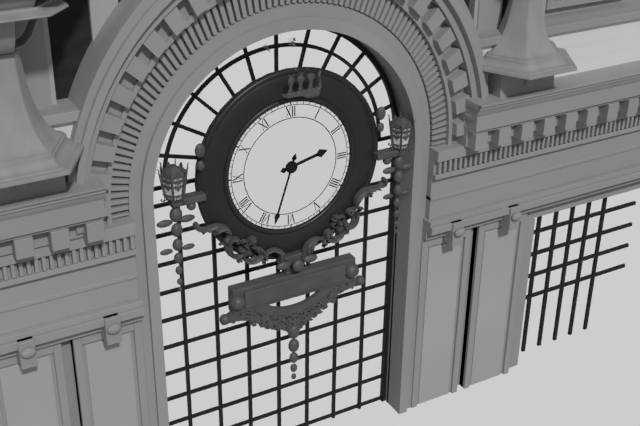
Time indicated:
2 h 33 min
